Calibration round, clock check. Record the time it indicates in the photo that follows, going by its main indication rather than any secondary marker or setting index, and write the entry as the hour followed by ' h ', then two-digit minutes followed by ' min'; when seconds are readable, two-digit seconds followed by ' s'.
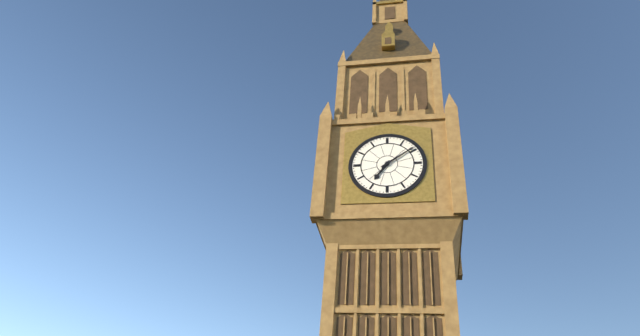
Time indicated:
7 h 09 min
